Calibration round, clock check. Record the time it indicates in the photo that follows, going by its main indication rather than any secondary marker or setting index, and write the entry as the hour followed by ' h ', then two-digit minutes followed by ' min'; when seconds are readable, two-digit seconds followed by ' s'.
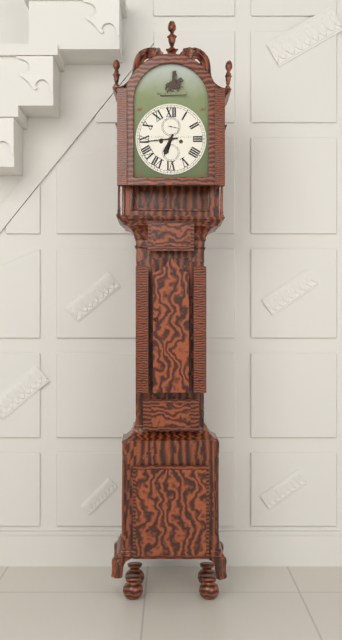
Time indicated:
6 h 44 min
